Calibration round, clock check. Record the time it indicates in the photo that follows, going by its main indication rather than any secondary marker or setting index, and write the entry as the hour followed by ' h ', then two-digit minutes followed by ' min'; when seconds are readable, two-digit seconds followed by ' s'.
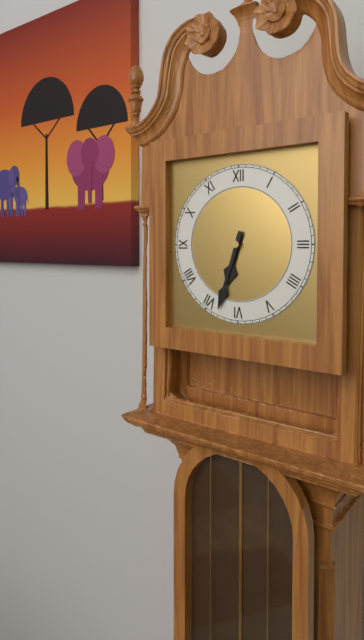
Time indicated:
6 h 33 min
